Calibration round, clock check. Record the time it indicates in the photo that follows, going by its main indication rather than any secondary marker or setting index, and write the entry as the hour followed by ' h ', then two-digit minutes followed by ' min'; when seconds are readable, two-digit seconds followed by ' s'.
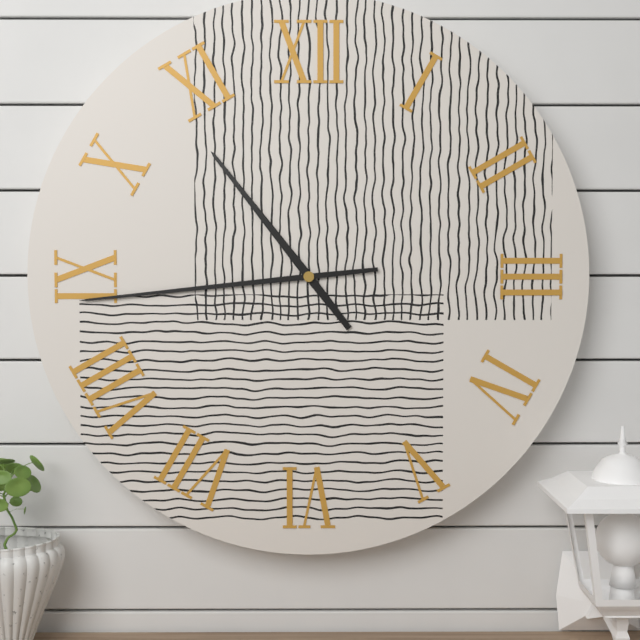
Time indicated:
10 h 44 min
